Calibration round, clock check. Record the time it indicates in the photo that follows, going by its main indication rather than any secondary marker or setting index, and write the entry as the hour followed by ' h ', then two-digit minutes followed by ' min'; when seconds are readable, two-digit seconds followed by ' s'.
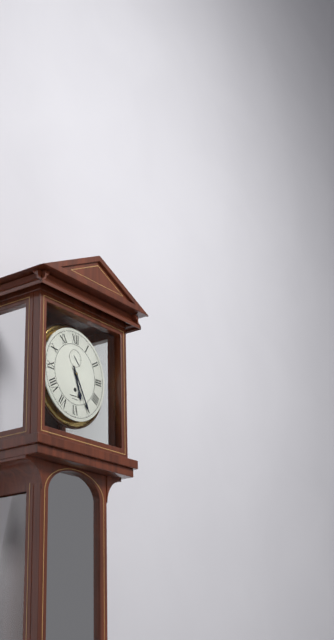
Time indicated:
5 h 25 min
